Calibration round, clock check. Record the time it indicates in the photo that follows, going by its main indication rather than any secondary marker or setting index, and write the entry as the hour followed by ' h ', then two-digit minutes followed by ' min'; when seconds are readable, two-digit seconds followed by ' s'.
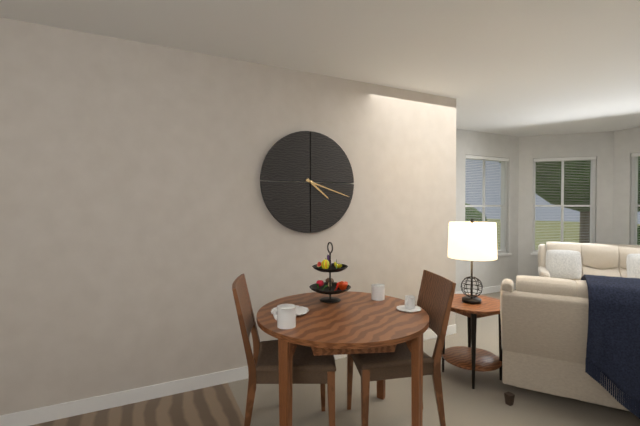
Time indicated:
4 h 18 min
